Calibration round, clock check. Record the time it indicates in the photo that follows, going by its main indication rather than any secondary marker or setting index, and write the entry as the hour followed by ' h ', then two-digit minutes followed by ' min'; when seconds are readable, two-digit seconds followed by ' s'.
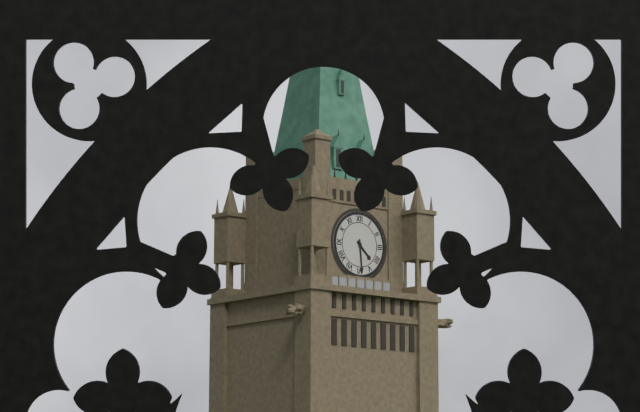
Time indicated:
4 h 29 min
